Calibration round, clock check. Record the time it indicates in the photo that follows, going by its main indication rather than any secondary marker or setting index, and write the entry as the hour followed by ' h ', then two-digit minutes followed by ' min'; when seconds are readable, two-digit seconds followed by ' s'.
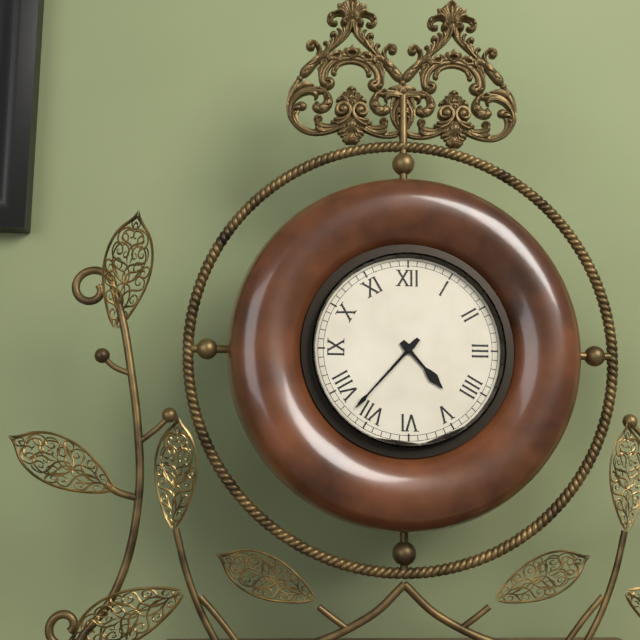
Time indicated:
4 h 37 min
